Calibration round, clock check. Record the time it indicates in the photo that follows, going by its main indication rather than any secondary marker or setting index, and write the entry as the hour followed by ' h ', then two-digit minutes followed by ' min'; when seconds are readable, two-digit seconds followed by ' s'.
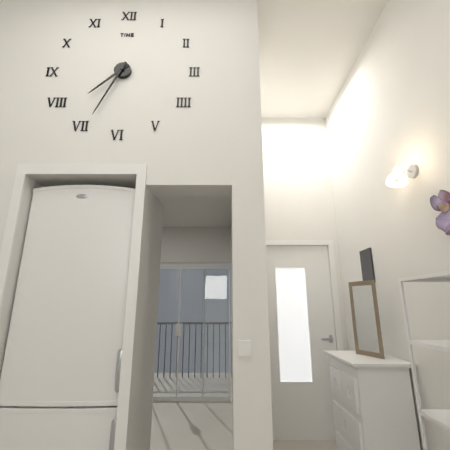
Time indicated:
7 h 34 min
